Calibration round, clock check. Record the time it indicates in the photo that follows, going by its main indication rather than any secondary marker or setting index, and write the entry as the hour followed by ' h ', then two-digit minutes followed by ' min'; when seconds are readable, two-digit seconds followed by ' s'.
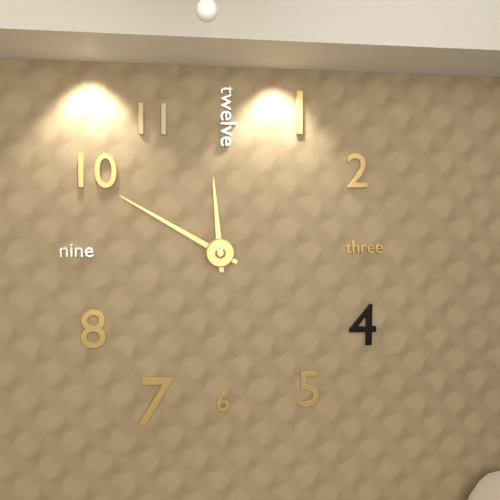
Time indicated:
11 h 50 min
